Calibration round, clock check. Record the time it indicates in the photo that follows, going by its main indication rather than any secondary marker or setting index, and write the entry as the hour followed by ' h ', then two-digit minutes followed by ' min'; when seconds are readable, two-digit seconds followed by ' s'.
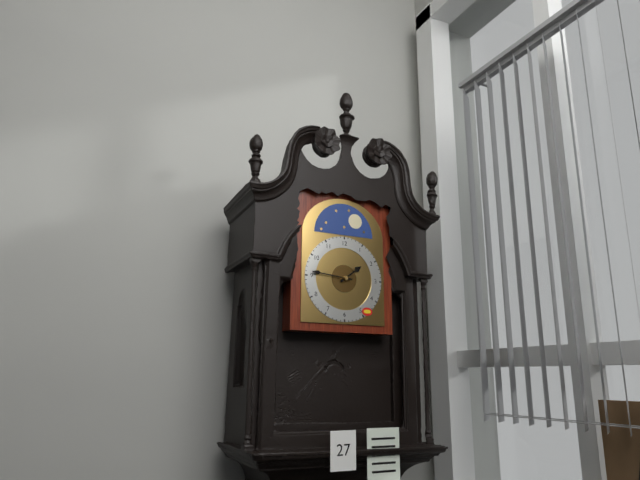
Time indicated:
1 h 46 min
